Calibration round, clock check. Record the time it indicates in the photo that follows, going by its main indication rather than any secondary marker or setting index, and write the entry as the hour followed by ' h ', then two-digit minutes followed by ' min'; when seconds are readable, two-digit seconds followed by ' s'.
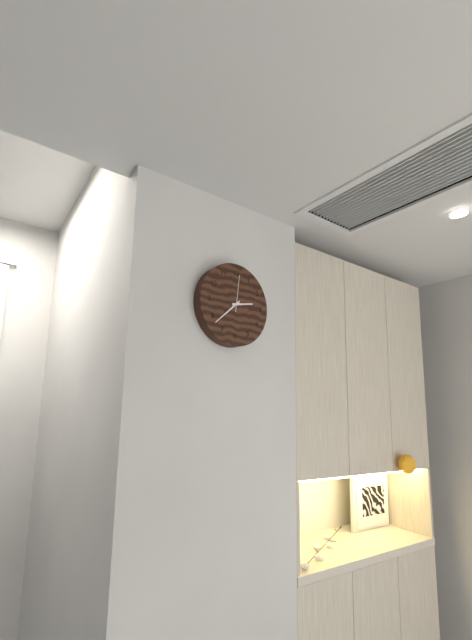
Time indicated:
2 h 38 min
